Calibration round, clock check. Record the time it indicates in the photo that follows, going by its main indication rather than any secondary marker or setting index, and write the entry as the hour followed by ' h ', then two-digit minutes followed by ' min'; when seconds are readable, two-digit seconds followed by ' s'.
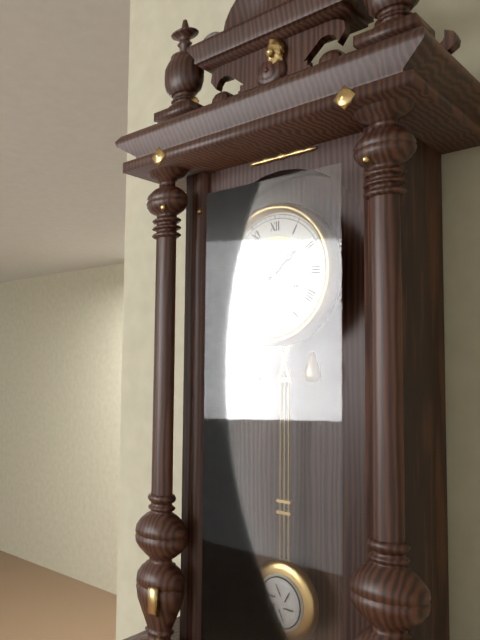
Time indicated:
1 h 41 min
